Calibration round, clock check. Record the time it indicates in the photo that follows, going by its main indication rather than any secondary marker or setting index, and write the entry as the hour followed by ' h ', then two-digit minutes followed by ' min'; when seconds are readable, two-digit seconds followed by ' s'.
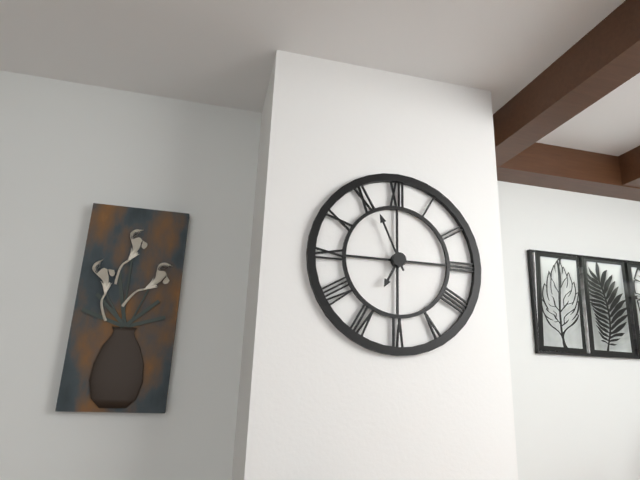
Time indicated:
6 h 56 min
